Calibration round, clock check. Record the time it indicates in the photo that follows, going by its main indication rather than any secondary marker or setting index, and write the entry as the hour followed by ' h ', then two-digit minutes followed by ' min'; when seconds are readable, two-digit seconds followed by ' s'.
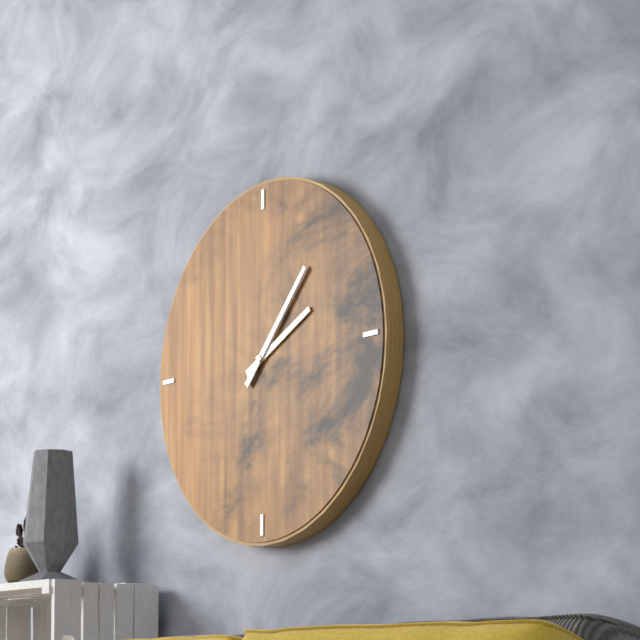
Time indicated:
2 h 07 min
